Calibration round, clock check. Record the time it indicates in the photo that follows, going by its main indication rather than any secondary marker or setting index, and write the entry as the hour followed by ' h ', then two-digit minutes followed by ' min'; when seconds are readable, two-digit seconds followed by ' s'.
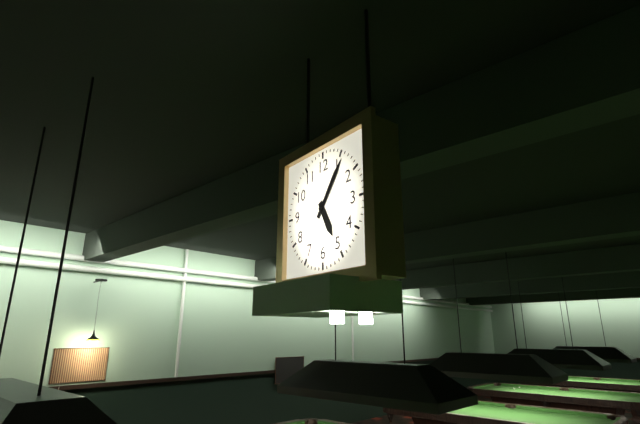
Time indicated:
5 h 06 min
